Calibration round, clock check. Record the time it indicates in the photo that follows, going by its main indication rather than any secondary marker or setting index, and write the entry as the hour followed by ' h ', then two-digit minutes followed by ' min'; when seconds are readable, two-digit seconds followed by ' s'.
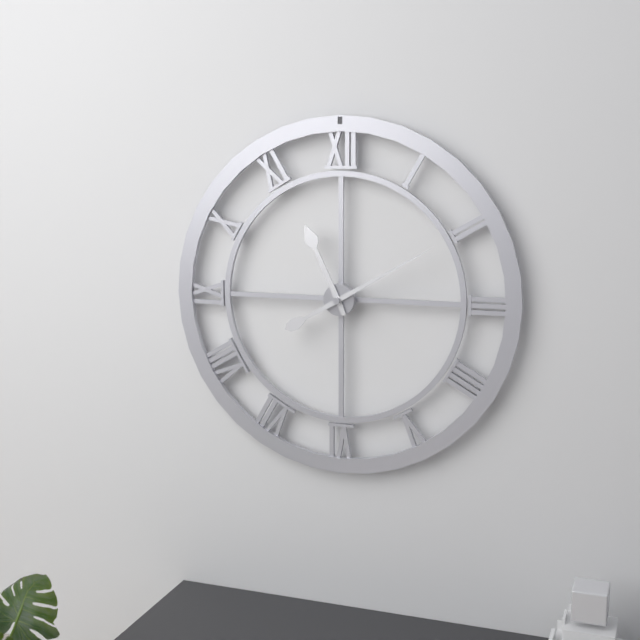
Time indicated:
11 h 10 min
